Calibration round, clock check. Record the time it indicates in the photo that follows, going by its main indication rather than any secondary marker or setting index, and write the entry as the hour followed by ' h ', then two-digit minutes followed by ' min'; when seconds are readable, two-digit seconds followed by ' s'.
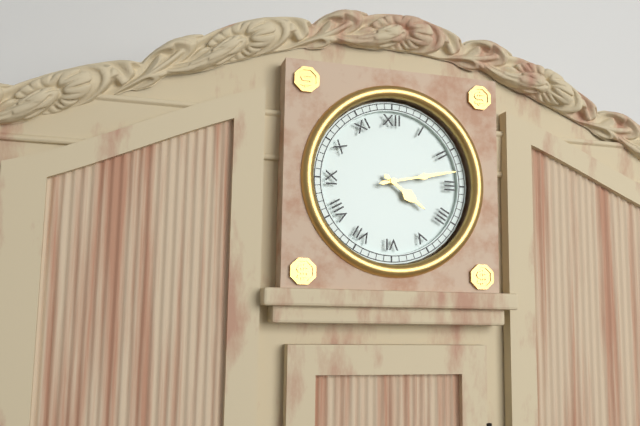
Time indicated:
4 h 13 min
